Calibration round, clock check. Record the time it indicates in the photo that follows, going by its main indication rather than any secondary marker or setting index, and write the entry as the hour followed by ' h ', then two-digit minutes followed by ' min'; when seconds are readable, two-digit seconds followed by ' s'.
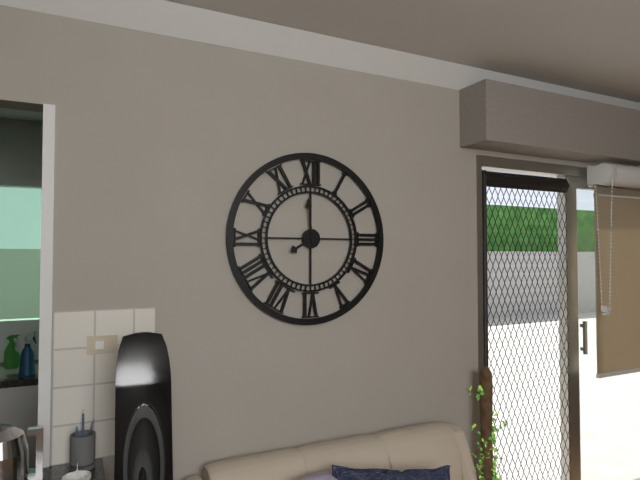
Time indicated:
7 h 59 min
